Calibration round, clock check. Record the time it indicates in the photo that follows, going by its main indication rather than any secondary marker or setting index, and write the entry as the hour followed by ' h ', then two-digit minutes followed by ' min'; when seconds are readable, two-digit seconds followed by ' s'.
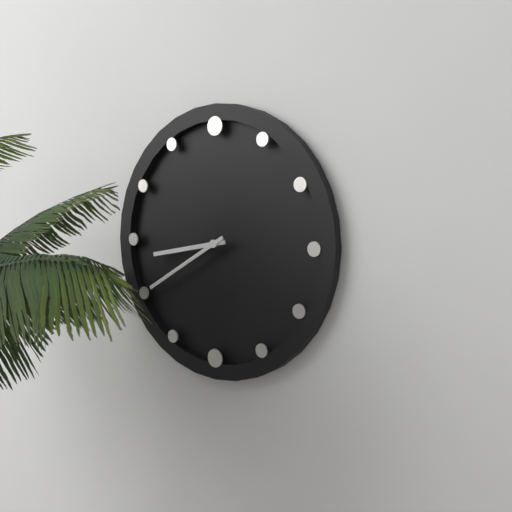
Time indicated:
8 h 40 min
